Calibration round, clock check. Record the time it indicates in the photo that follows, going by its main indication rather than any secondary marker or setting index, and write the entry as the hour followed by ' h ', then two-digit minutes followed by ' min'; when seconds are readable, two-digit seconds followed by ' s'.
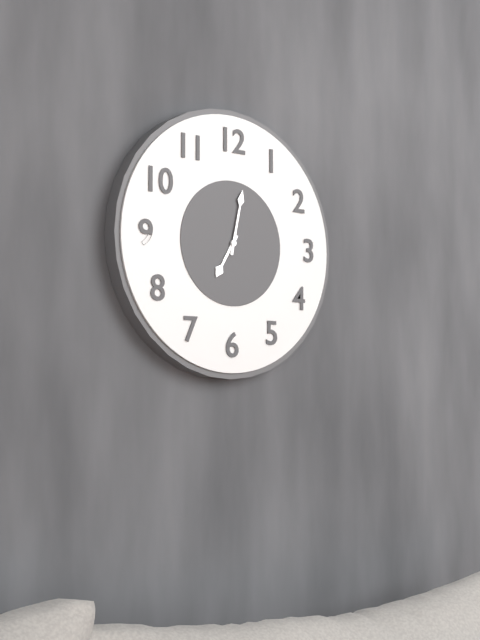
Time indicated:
7 h 02 min
